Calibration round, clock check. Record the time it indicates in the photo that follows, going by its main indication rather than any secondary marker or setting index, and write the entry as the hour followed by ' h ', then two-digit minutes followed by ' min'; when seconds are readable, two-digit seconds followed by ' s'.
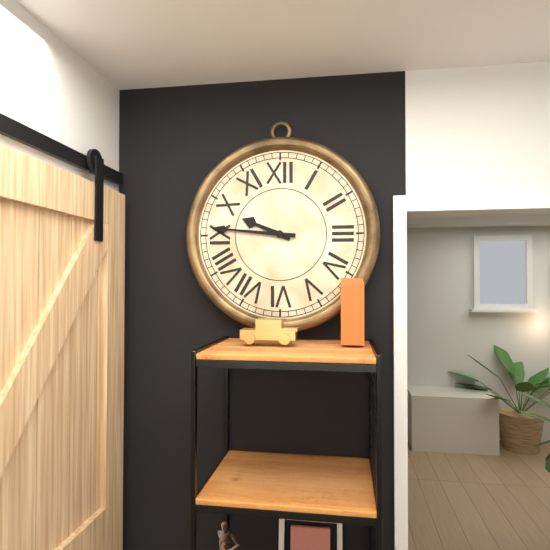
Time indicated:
9 h 46 min
